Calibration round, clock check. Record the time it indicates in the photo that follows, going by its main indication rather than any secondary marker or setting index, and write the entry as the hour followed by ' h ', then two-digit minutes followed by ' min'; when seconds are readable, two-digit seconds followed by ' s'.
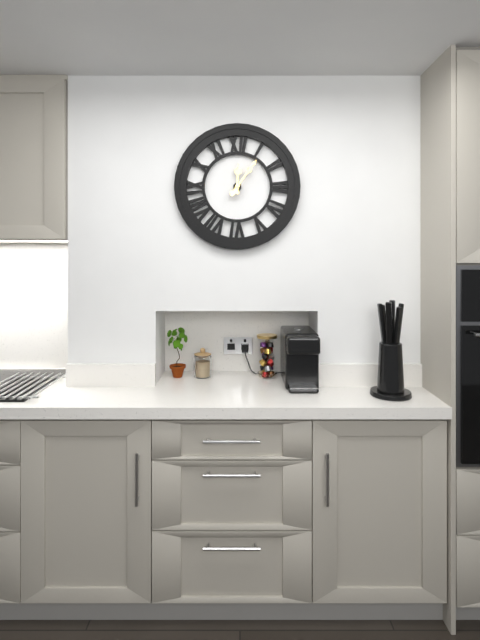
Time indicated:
12 h 06 min
